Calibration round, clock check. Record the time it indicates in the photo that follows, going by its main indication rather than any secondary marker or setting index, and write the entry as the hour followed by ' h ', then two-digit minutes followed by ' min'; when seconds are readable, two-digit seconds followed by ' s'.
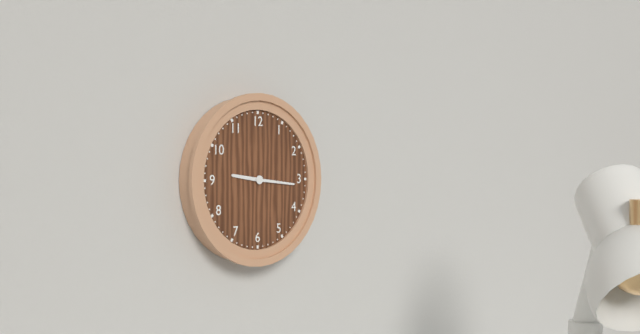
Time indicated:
9 h 16 min
